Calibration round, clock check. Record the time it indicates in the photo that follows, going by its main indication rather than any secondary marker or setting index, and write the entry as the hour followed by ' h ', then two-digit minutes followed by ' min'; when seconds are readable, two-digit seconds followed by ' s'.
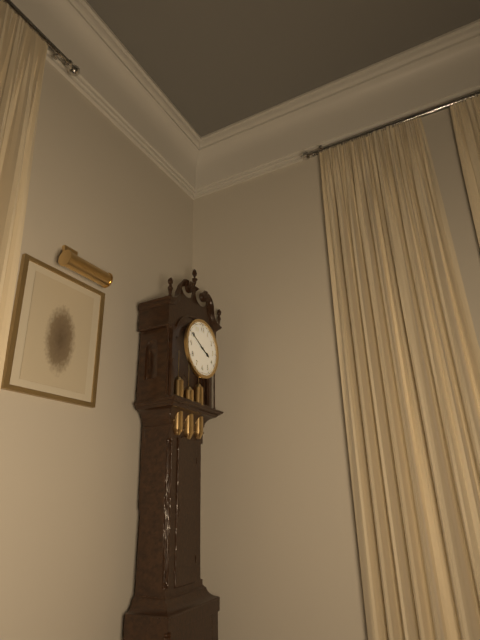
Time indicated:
3 h 50 min
